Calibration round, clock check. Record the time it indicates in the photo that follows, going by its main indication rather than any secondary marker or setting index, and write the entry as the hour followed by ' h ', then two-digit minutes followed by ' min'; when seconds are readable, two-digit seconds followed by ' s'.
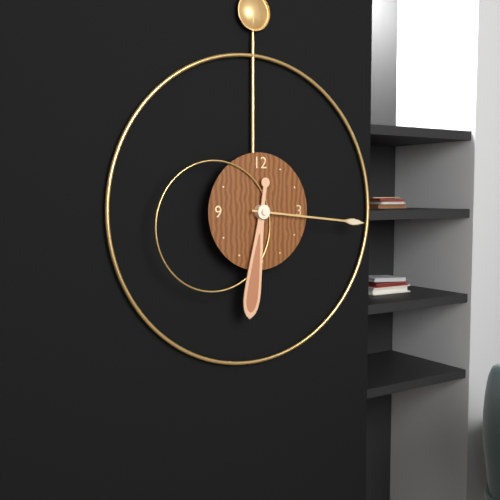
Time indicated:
6 h 16 min
